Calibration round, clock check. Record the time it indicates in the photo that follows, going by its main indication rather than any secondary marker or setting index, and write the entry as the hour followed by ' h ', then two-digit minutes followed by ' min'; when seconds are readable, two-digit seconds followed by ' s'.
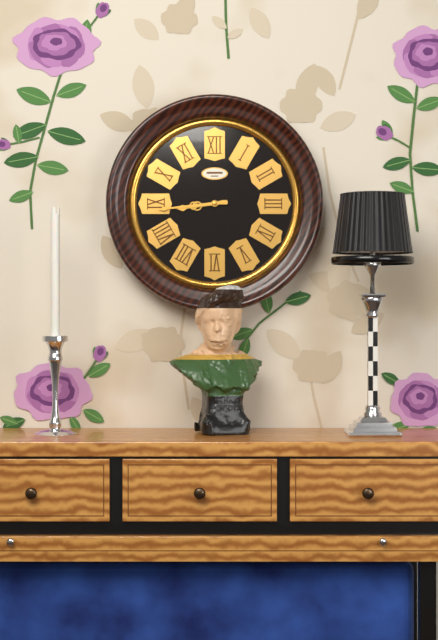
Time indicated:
8 h 44 min
